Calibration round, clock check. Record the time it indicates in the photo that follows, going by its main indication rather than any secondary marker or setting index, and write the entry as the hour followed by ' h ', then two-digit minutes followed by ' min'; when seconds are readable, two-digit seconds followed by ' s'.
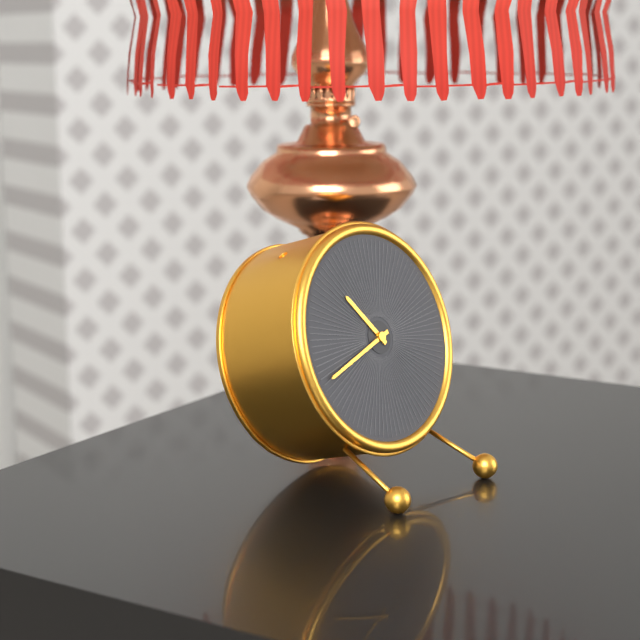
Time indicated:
10 h 42 min
